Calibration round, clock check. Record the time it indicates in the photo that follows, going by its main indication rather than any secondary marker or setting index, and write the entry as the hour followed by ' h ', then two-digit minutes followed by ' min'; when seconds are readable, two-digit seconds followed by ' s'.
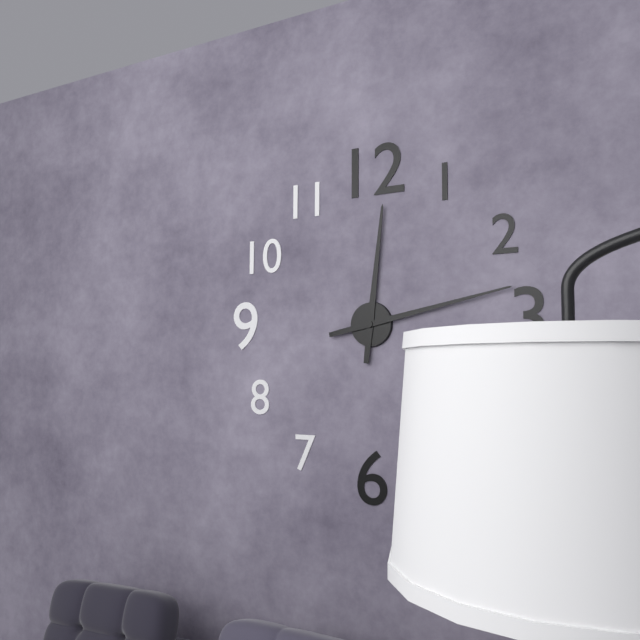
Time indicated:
12 h 13 min
